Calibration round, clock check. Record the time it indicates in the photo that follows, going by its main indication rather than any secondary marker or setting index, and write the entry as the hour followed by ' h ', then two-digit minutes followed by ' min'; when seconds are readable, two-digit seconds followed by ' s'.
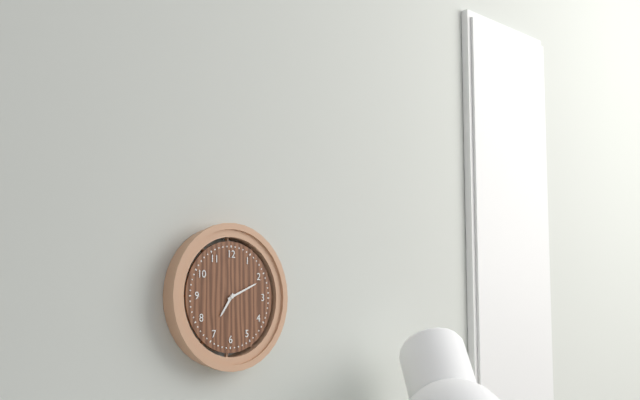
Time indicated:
7 h 11 min
